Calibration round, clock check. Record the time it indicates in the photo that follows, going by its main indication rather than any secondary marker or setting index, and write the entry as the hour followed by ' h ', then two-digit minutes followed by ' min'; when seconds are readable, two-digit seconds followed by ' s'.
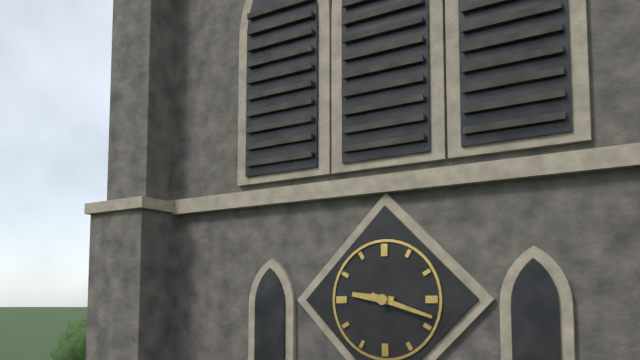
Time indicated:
9 h 18 min
